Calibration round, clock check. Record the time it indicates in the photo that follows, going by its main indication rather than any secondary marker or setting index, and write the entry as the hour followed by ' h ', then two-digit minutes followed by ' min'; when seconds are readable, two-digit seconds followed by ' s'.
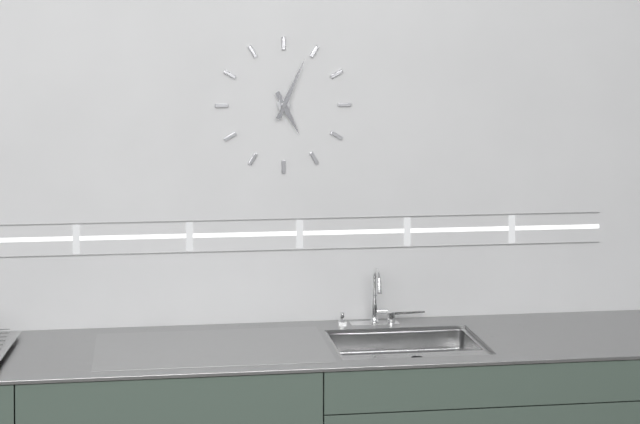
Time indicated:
5 h 04 min
